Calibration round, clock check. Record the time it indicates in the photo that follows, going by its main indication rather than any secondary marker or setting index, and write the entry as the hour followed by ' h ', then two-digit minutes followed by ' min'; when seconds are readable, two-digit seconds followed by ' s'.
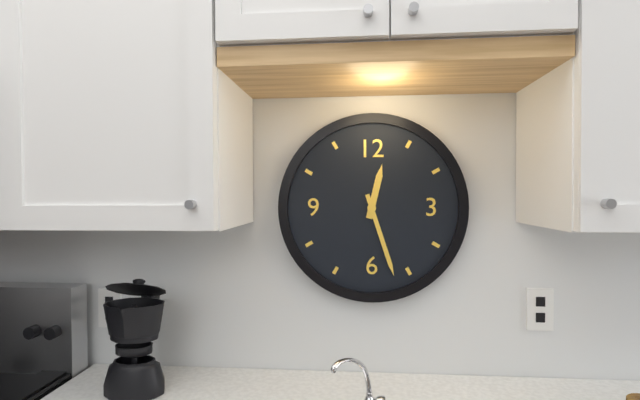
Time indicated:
12 h 27 min
